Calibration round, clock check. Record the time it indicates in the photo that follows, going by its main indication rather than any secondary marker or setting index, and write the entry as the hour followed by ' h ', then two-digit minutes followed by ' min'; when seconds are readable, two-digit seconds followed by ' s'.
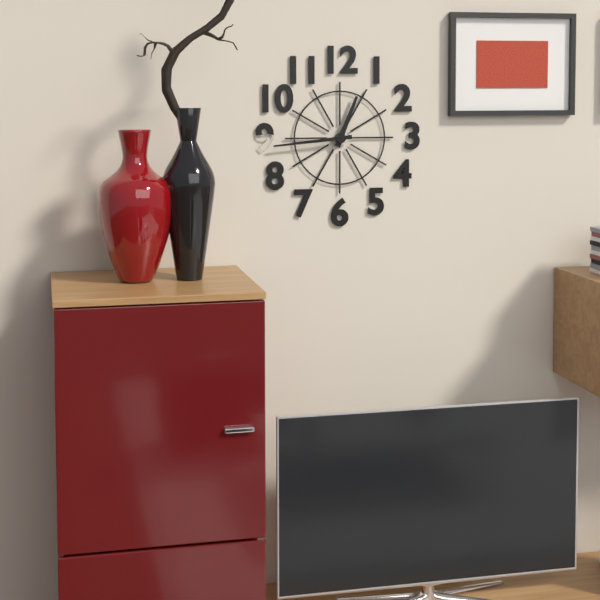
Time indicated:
12 h 44 min
